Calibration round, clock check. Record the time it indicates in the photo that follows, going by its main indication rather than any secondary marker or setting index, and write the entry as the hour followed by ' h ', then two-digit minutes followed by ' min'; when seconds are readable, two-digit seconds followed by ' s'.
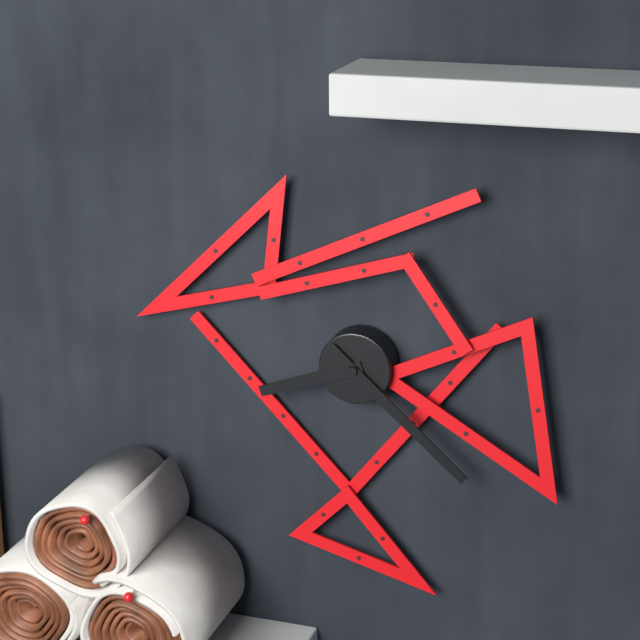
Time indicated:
8 h 22 min
